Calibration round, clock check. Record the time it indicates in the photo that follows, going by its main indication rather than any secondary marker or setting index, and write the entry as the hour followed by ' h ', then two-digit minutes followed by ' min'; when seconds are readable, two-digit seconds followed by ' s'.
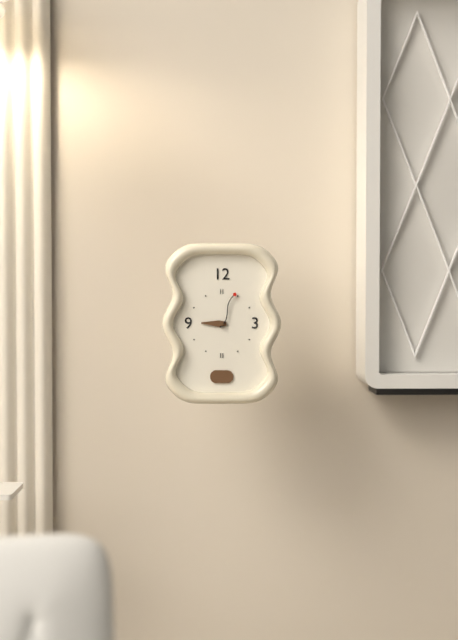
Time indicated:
9 h 04 min
